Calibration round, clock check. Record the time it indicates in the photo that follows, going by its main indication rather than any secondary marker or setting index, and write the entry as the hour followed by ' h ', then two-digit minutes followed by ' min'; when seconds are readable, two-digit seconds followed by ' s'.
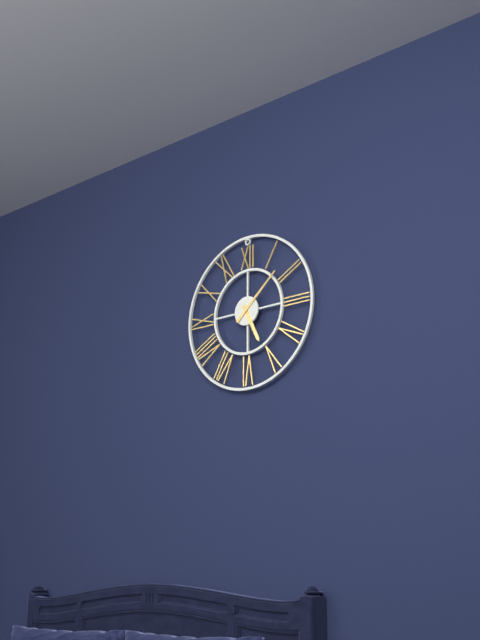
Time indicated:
5 h 08 min
